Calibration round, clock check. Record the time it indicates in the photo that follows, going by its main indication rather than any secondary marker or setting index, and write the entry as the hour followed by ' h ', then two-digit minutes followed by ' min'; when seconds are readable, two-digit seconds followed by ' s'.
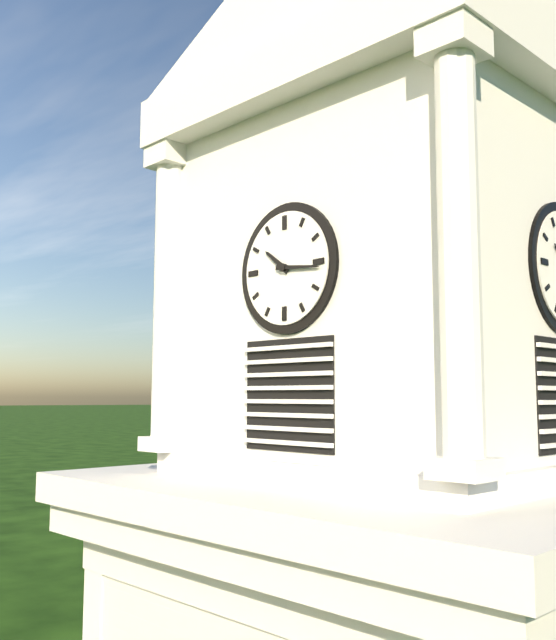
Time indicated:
10 h 16 min
